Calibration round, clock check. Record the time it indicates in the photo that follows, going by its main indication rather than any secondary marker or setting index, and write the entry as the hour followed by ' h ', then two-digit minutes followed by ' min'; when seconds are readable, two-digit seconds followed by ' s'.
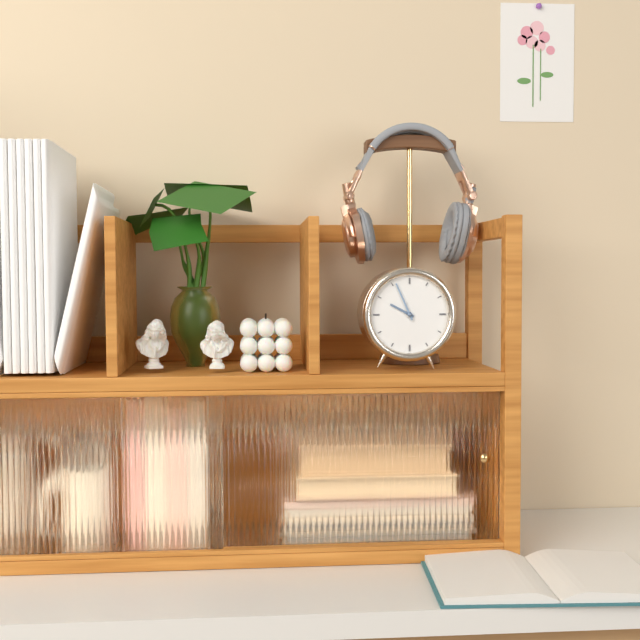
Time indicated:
9 h 56 min
